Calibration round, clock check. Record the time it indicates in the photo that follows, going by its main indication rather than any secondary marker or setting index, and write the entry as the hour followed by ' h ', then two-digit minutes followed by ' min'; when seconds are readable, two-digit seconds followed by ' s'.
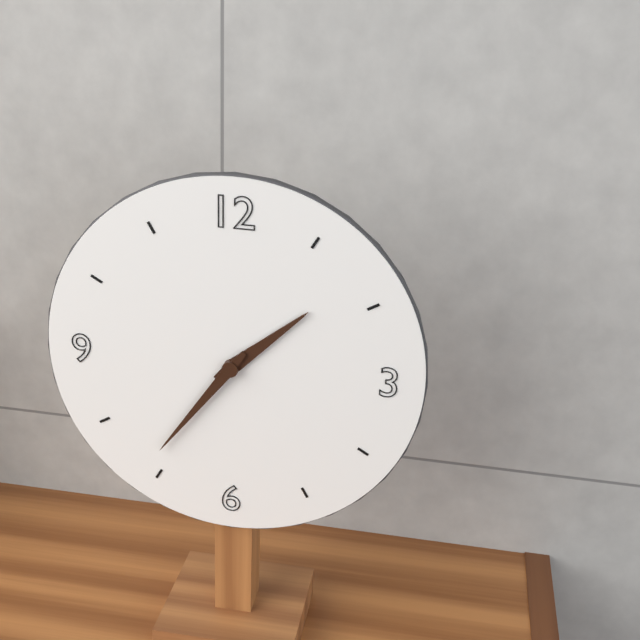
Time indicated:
1 h 36 min
